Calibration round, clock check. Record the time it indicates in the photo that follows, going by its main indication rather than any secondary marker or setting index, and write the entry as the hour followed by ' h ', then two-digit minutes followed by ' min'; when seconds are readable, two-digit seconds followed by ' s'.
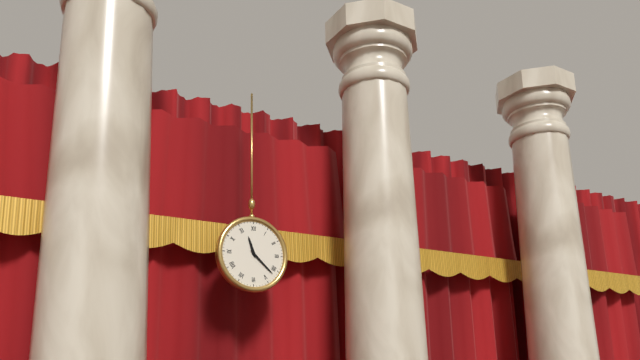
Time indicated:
11 h 22 min
